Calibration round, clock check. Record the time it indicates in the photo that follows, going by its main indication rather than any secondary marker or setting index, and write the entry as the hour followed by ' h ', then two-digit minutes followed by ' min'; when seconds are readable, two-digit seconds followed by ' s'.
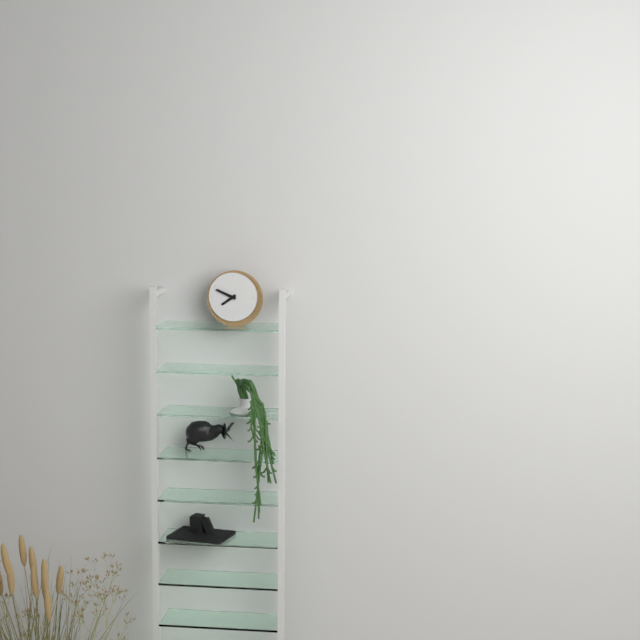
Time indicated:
7 h 49 min
